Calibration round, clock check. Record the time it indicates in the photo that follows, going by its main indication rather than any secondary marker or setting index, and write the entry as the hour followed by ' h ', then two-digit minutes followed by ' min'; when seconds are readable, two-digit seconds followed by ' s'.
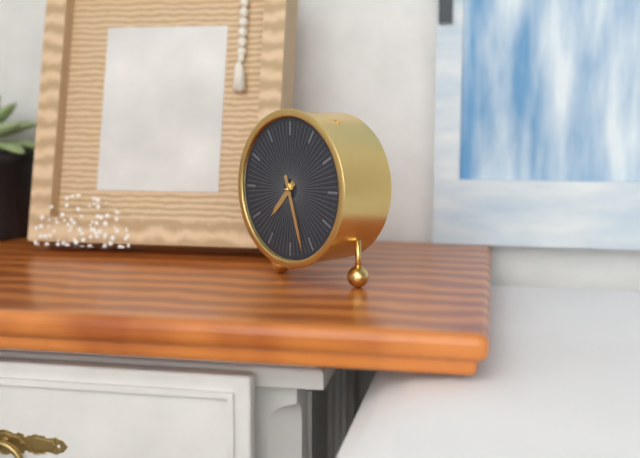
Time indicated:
7 h 27 min
